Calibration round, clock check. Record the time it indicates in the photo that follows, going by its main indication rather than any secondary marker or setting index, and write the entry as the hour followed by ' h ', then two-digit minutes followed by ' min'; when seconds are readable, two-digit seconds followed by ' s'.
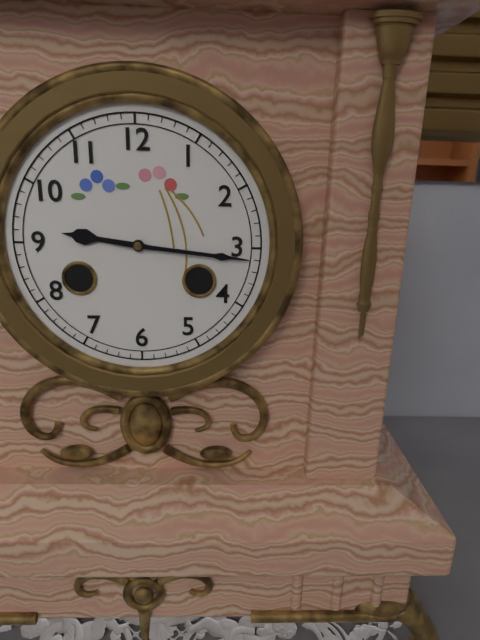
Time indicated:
9 h 16 min
